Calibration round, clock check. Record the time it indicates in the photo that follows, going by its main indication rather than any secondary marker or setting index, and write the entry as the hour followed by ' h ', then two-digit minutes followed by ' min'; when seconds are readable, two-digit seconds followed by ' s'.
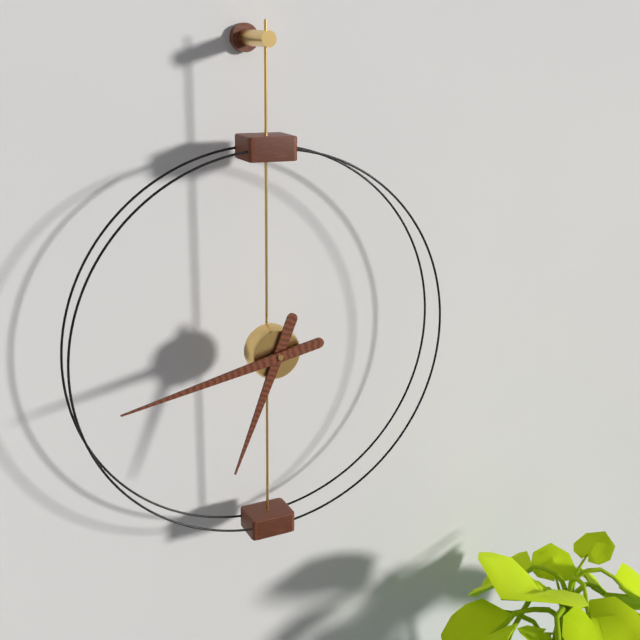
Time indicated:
6 h 43 min
